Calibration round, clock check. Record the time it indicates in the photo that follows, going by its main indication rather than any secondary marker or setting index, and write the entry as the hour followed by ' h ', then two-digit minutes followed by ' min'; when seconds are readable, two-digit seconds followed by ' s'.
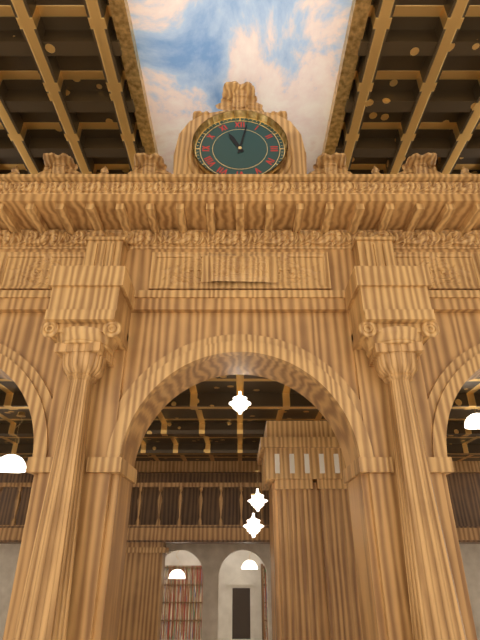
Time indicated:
11 h 02 min
